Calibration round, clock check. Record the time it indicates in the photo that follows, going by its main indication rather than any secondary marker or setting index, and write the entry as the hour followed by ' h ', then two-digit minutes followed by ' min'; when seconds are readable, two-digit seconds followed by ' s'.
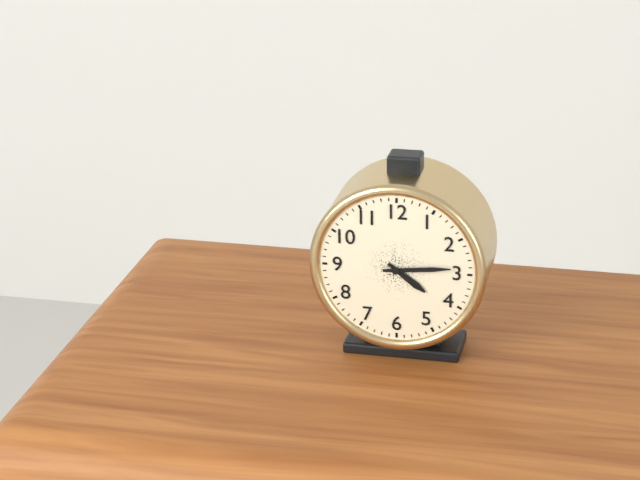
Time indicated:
4 h 14 min
